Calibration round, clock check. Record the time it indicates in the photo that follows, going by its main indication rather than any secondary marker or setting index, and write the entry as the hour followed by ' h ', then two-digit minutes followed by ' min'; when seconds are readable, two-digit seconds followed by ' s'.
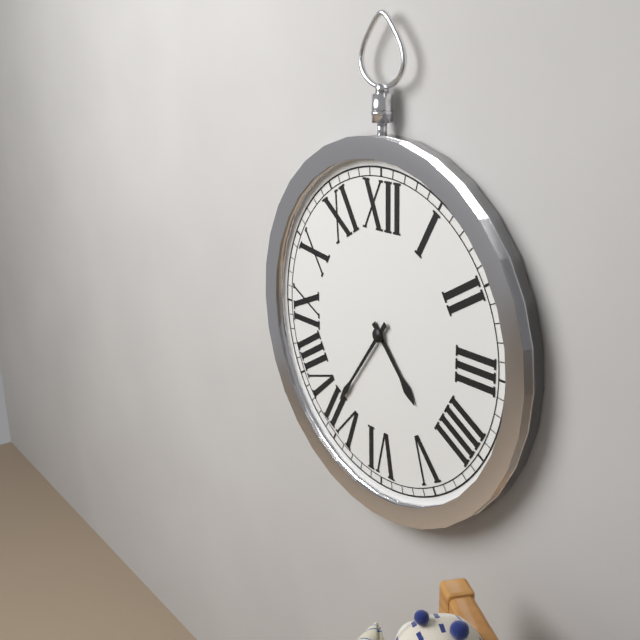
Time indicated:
4 h 36 min
